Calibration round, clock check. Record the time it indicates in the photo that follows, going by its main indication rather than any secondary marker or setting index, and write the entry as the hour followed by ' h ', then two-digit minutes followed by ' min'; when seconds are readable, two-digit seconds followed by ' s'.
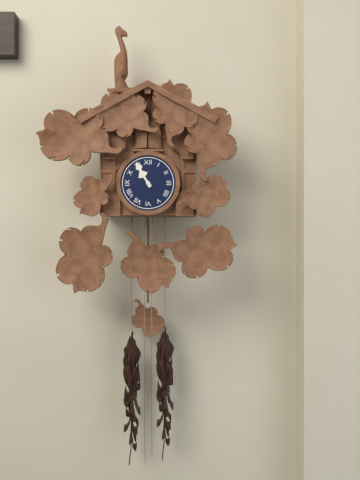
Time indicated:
10 h 55 min
